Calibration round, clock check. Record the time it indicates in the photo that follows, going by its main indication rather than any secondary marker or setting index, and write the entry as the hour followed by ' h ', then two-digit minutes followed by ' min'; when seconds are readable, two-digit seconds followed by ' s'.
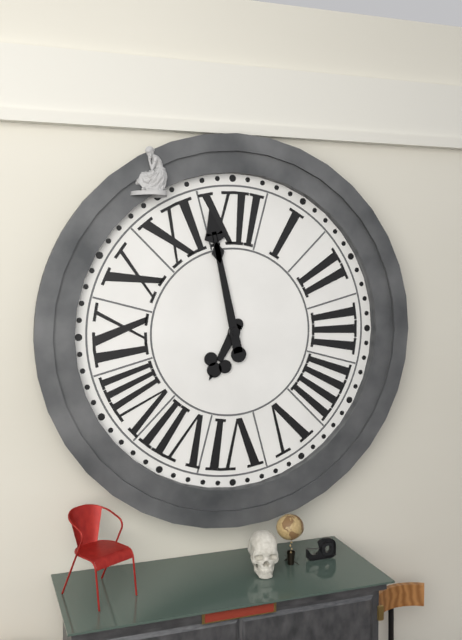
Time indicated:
6 h 58 min
